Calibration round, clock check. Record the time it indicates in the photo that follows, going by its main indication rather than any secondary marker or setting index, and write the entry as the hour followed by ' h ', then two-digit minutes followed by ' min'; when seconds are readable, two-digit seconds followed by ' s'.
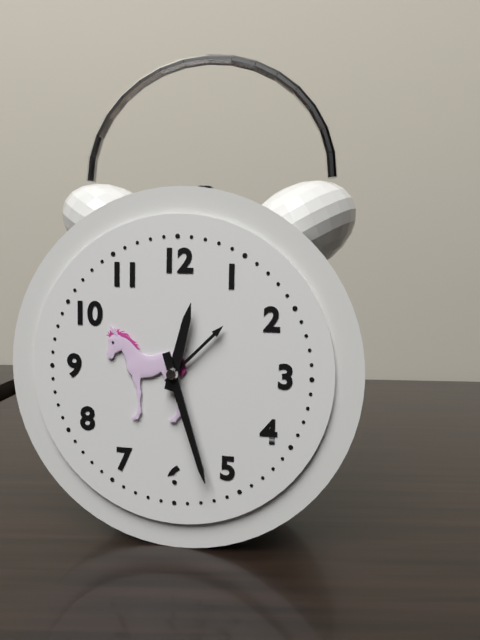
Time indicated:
12 h 27 min
